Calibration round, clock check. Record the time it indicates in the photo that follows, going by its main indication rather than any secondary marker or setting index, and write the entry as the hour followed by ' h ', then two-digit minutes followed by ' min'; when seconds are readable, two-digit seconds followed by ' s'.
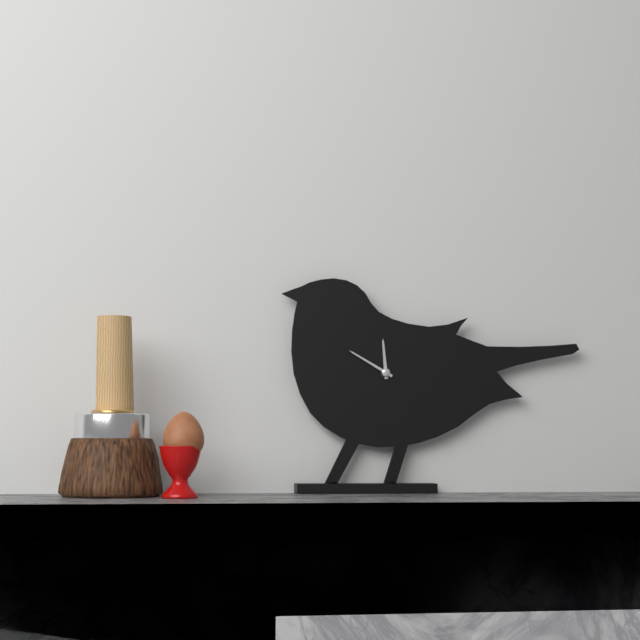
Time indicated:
11 h 50 min
